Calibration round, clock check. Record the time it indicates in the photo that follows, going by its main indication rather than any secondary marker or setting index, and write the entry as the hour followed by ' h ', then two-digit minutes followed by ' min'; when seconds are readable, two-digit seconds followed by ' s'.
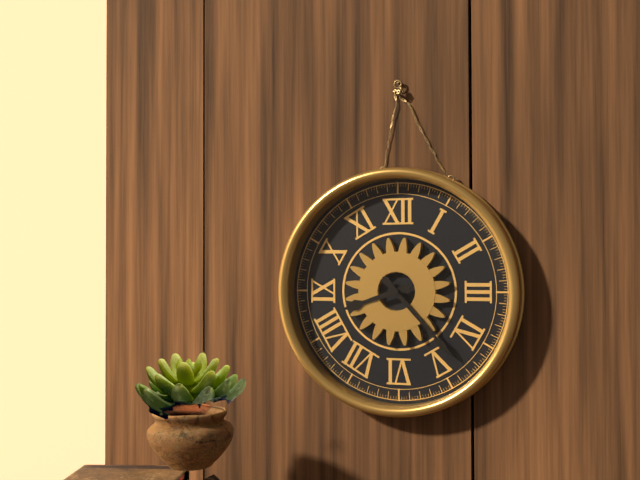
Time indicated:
8 h 23 min
